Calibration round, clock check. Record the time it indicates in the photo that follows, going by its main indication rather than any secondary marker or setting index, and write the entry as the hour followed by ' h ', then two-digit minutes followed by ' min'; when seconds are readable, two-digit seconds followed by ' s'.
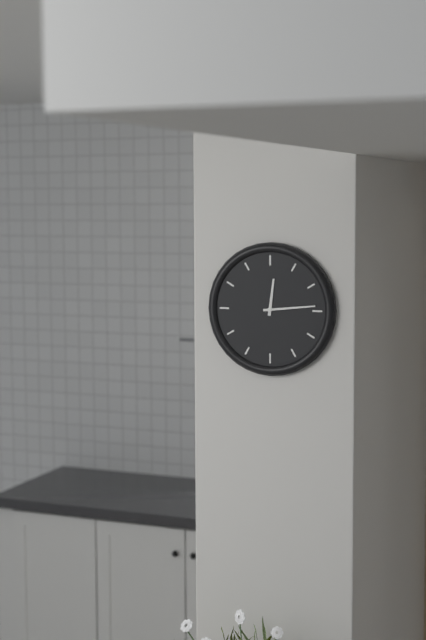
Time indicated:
12 h 14 min
